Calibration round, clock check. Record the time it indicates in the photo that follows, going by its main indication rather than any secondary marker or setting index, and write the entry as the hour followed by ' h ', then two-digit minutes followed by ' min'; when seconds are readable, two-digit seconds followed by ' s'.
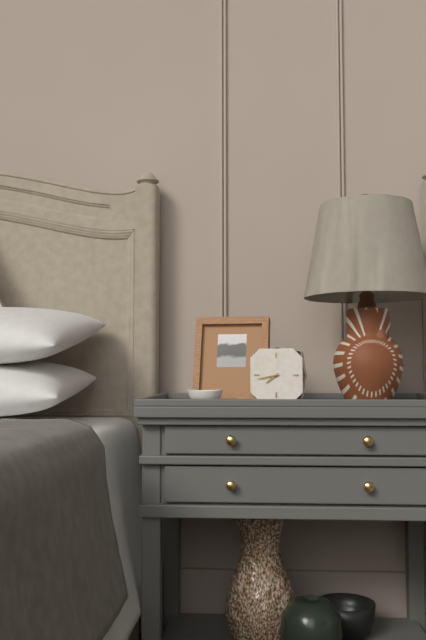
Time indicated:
7 h 43 min
